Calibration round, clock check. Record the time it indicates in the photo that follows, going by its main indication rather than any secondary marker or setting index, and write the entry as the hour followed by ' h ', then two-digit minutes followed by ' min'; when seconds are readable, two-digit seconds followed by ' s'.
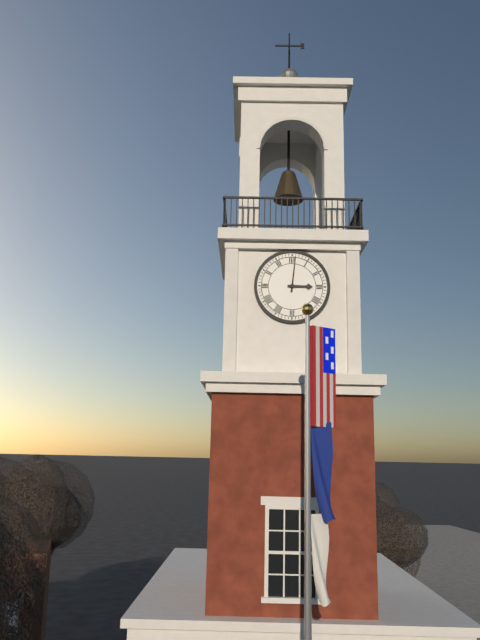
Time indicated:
3 h 01 min
